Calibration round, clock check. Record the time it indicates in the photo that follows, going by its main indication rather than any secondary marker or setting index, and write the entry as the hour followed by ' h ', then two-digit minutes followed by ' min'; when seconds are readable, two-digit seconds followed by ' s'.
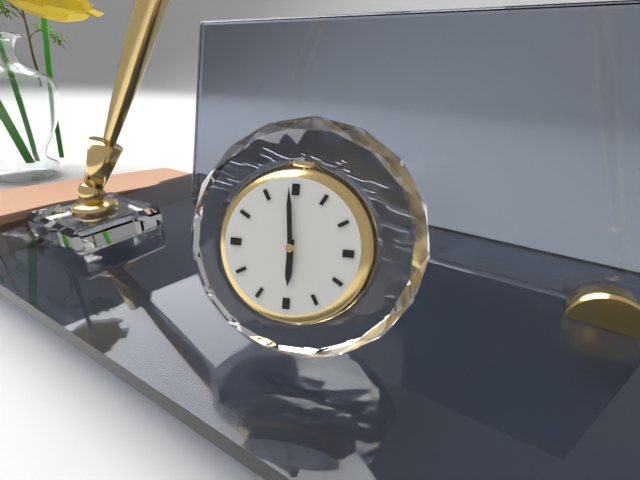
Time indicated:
5 h 59 min
